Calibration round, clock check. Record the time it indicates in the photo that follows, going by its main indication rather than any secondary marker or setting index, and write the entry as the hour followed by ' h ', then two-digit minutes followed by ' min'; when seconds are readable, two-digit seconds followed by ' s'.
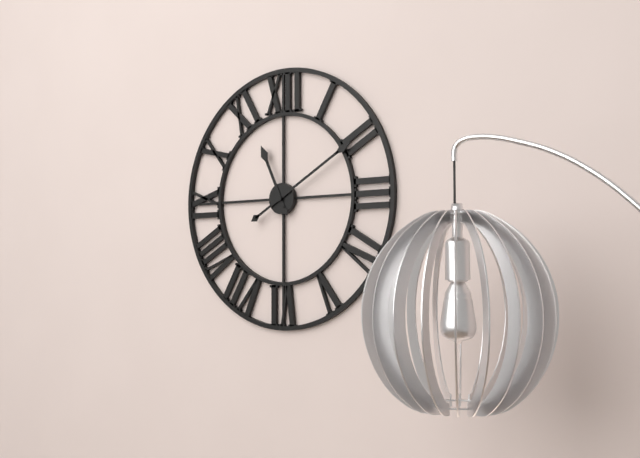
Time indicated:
11 h 10 min
